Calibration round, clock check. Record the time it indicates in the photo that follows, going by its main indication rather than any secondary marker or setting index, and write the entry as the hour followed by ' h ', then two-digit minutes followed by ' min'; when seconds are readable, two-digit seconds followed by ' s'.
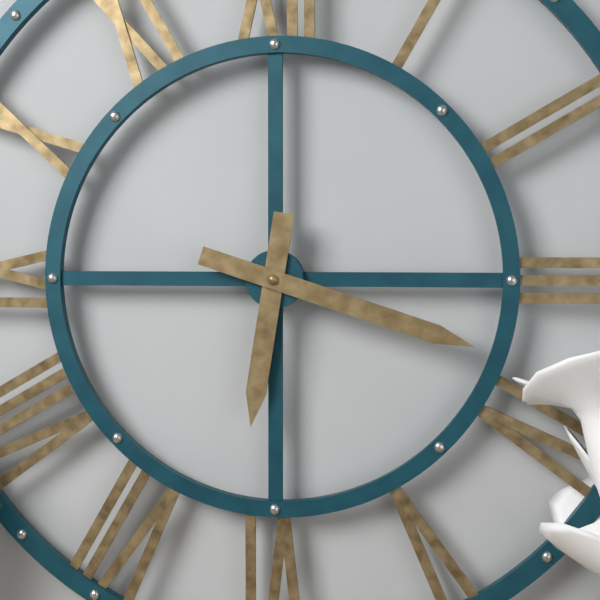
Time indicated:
6 h 18 min
